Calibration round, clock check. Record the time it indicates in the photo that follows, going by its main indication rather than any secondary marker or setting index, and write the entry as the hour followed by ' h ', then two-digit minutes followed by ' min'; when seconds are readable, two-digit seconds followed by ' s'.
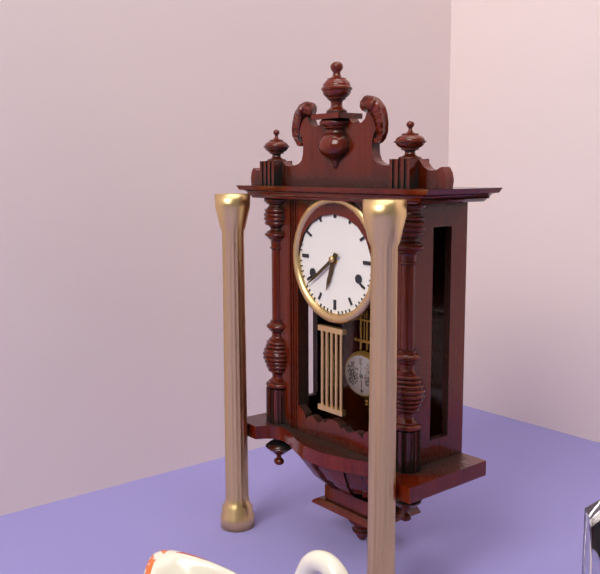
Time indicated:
6 h 39 min
